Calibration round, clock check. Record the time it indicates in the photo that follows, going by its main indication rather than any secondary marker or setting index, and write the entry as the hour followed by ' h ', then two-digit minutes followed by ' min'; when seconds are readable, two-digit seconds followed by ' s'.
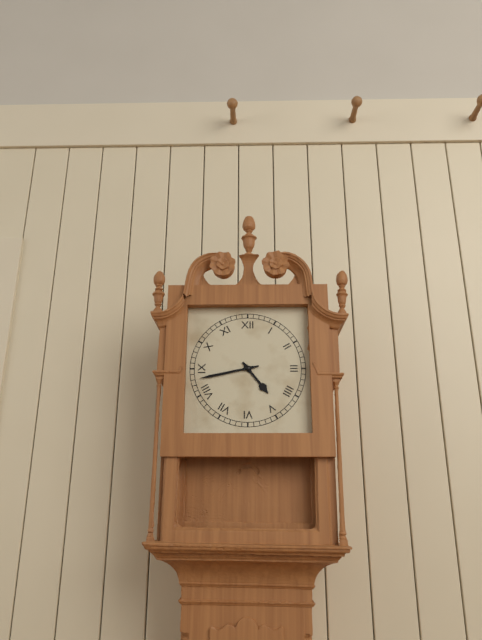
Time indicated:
4 h 43 min
